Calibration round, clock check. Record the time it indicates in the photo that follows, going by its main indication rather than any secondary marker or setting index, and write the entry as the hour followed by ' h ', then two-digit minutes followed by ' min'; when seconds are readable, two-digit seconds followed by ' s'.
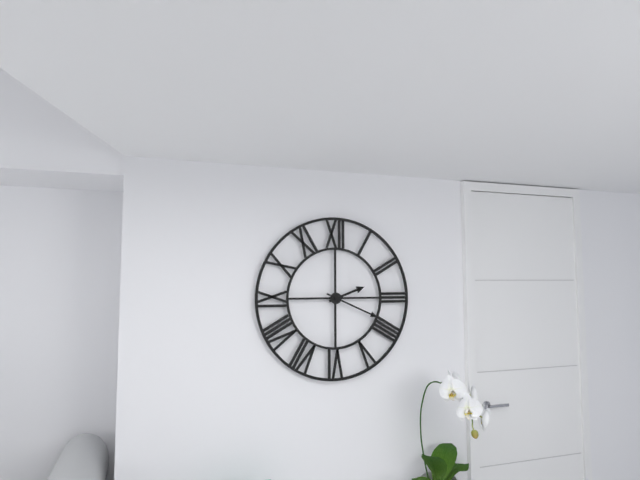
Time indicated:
2 h 19 min
